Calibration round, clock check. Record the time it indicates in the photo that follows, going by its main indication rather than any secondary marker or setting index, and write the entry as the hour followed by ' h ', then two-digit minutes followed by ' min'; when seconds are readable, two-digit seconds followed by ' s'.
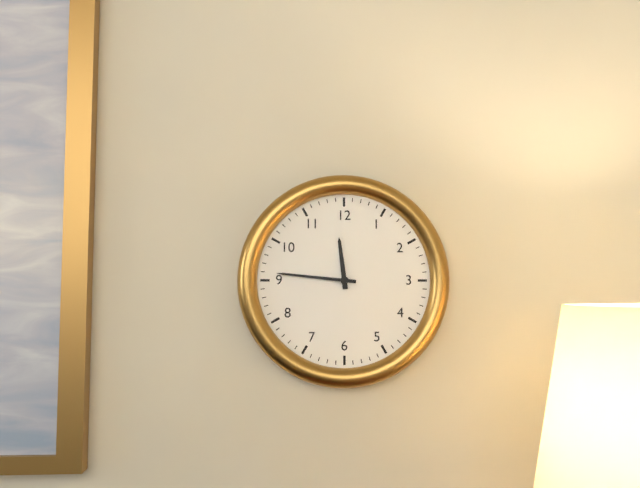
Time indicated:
11 h 46 min
